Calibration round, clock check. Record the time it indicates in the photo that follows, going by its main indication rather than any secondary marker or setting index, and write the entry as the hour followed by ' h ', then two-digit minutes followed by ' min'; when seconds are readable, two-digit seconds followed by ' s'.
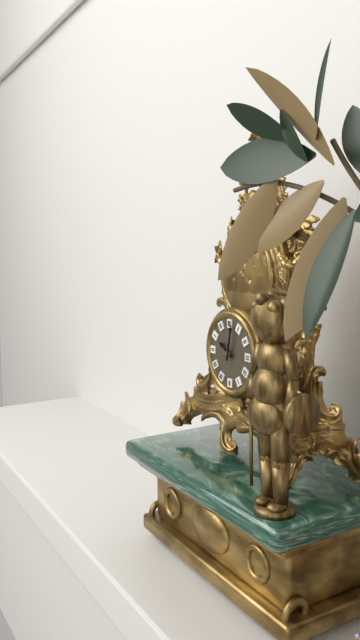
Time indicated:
10 h 02 min
